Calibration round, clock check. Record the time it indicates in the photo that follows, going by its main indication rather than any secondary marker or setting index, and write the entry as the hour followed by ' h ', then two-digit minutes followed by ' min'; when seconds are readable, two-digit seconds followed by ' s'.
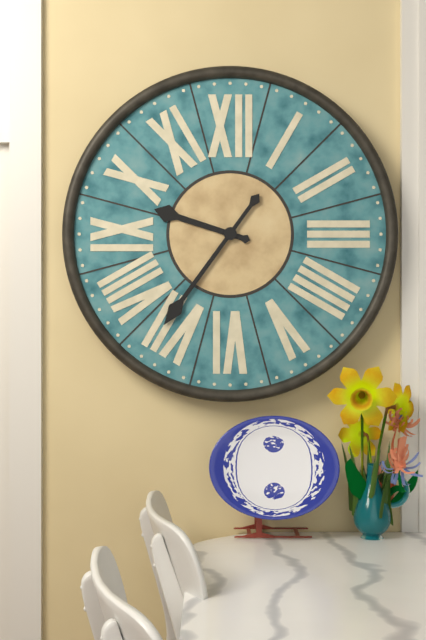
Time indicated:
9 h 36 min
